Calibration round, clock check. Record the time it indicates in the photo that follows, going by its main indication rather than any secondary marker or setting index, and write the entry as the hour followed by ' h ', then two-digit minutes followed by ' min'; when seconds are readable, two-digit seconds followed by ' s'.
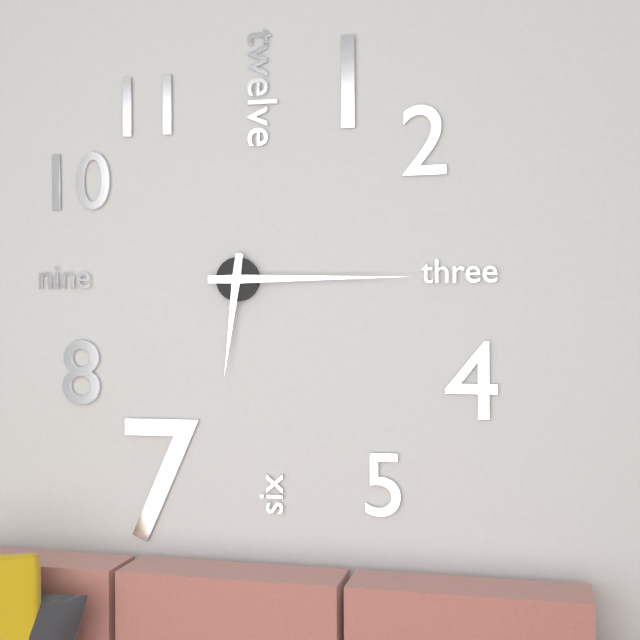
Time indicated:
6 h 15 min
